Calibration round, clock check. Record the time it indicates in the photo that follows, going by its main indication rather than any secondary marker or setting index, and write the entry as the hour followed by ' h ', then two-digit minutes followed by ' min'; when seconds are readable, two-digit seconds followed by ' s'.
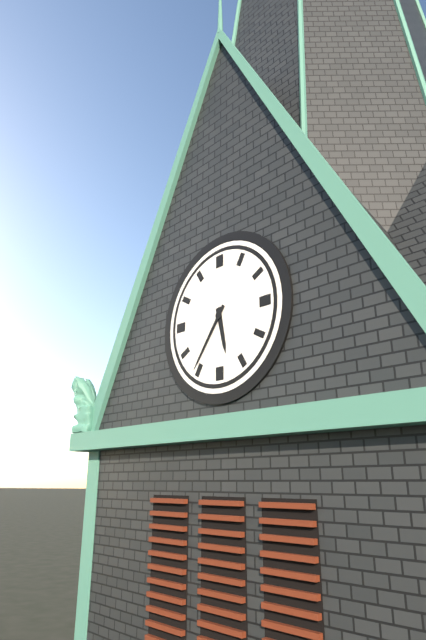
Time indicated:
5 h 36 min
